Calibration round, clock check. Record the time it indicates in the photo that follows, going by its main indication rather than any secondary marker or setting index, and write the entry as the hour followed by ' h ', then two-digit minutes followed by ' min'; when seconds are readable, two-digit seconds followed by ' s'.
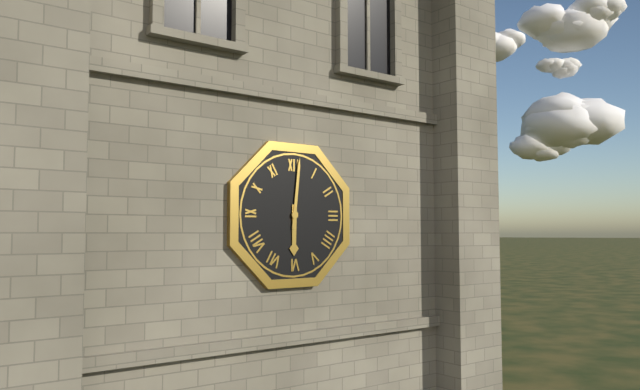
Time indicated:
6 h 01 min
